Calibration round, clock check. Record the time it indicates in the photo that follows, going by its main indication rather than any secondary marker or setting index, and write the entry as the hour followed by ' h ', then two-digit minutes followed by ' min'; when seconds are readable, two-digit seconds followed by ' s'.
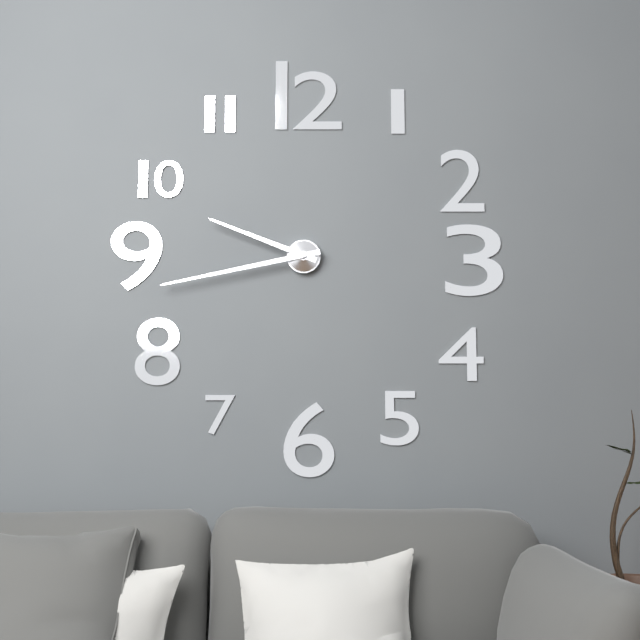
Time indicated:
9 h 43 min
